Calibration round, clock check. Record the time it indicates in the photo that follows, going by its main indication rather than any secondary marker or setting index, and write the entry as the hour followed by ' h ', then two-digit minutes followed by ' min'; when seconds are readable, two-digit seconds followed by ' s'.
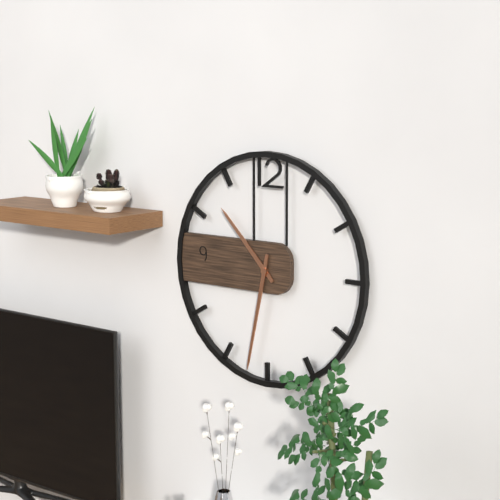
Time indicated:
10 h 32 min
